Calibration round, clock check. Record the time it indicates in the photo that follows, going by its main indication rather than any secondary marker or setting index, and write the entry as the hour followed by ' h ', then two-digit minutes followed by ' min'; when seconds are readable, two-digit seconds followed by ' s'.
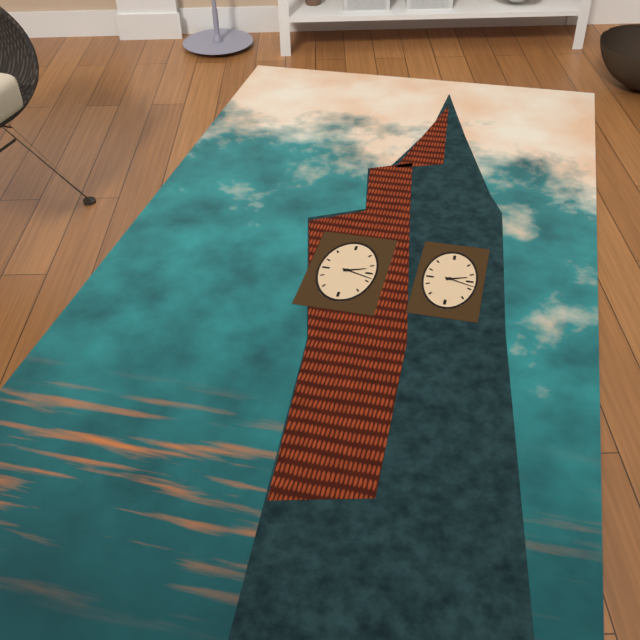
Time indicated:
2 h 18 min
